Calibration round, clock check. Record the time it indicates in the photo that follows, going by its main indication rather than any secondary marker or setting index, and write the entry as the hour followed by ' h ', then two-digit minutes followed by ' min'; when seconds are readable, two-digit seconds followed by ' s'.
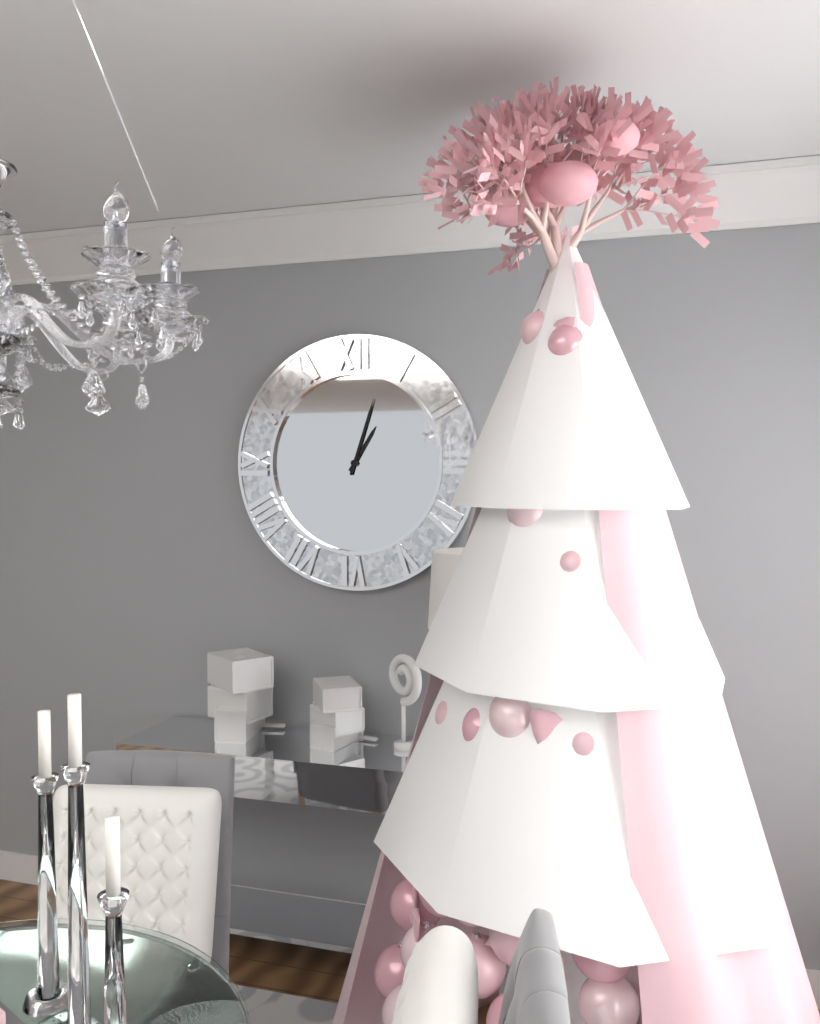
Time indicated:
1 h 03 min
